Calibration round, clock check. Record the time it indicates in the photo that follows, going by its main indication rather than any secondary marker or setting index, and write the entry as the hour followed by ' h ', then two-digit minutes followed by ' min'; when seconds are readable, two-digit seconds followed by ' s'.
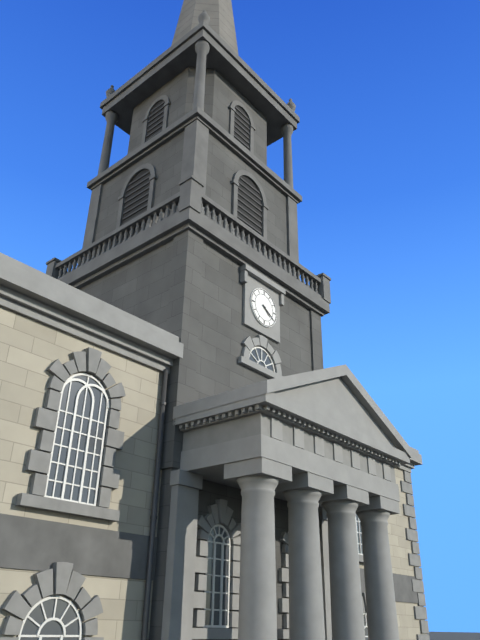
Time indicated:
4 h 20 min
